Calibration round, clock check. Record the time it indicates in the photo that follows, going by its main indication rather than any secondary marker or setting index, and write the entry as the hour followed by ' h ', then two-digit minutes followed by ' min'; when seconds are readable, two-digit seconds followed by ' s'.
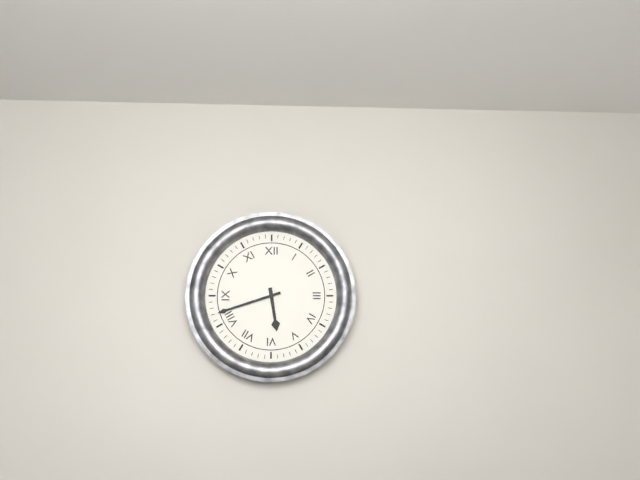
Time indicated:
5 h 42 min
